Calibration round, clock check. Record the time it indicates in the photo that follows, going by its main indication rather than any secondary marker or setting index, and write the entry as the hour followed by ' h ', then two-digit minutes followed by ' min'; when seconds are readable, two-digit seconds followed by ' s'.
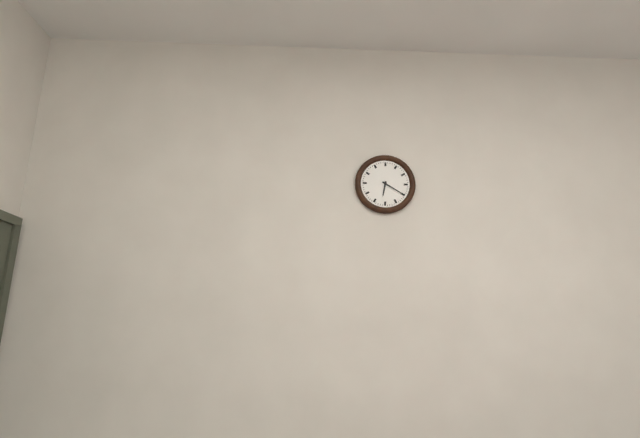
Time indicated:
6 h 20 min
